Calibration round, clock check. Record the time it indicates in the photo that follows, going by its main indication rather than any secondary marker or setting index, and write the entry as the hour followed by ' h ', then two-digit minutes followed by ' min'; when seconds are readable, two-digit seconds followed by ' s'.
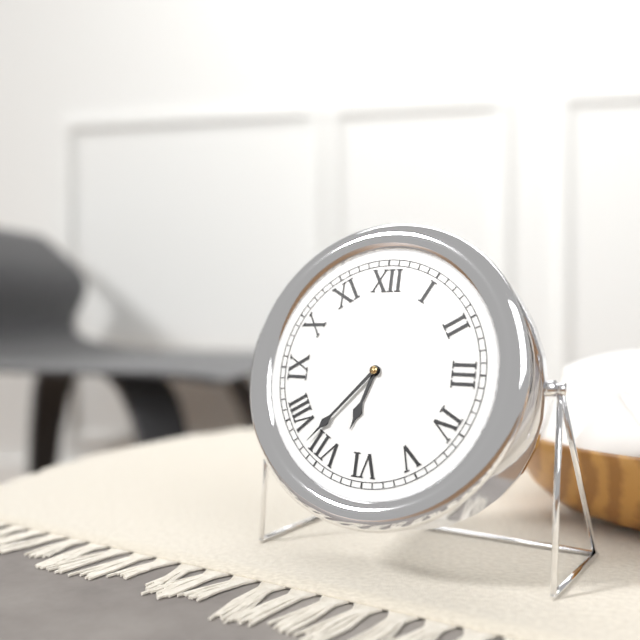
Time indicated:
6 h 37 min
